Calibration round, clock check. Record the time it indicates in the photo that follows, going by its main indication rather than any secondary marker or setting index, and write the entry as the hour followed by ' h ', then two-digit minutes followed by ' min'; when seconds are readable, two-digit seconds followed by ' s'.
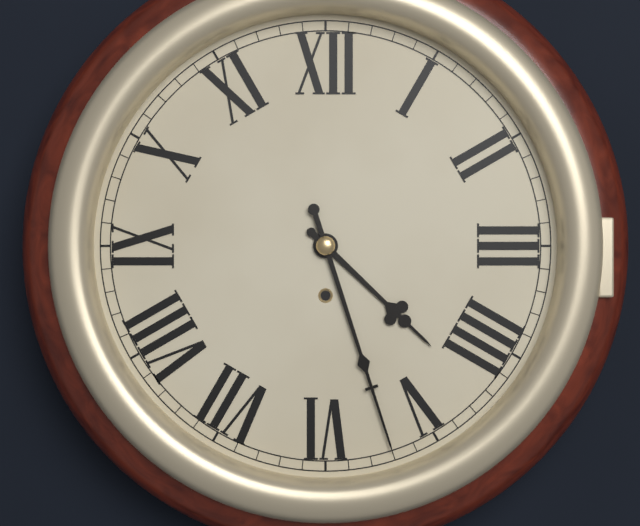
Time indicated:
4 h 27 min
